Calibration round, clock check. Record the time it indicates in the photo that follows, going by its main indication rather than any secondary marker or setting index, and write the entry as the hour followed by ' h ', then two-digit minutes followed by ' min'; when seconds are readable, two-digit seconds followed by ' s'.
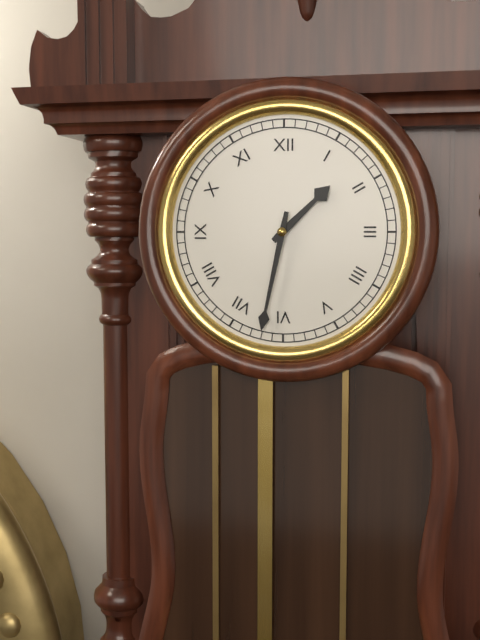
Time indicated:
1 h 32 min
